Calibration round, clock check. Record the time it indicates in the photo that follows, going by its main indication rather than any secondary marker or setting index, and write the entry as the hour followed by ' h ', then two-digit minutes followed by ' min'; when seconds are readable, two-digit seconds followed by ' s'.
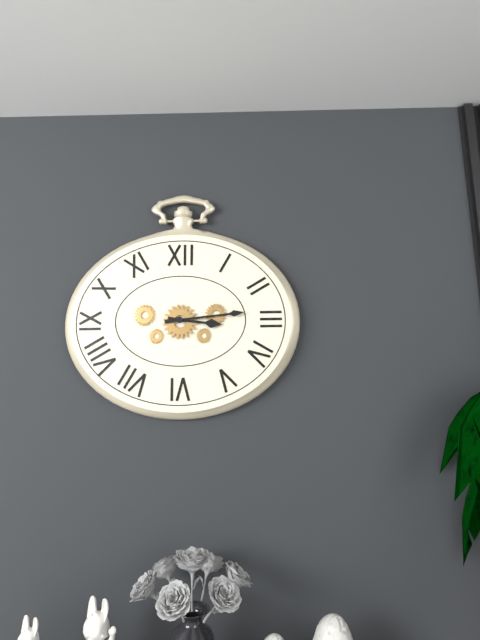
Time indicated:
3 h 14 min
